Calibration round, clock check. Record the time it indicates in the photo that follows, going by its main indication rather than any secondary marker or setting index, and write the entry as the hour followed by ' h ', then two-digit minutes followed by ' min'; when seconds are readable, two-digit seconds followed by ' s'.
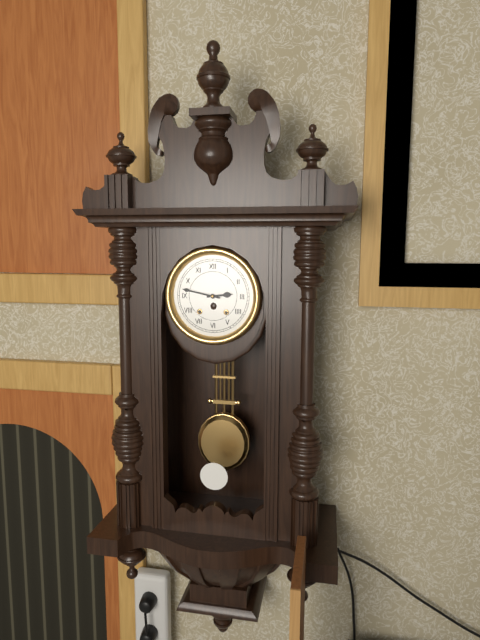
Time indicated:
2 h 47 min
